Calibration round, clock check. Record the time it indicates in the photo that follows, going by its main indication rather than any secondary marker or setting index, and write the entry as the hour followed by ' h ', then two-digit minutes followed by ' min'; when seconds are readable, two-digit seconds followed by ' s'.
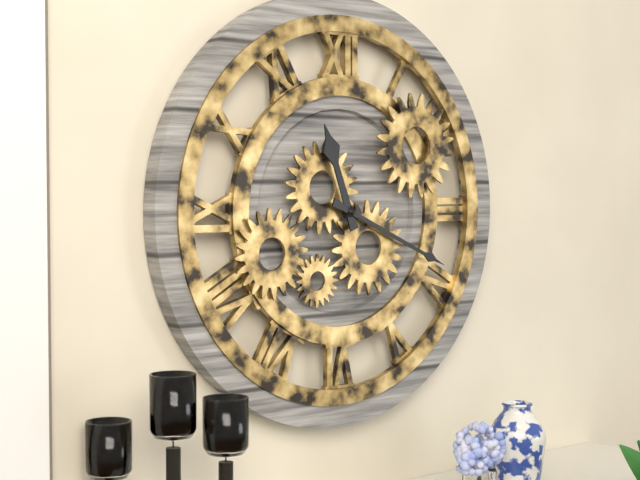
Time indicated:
11 h 19 min
